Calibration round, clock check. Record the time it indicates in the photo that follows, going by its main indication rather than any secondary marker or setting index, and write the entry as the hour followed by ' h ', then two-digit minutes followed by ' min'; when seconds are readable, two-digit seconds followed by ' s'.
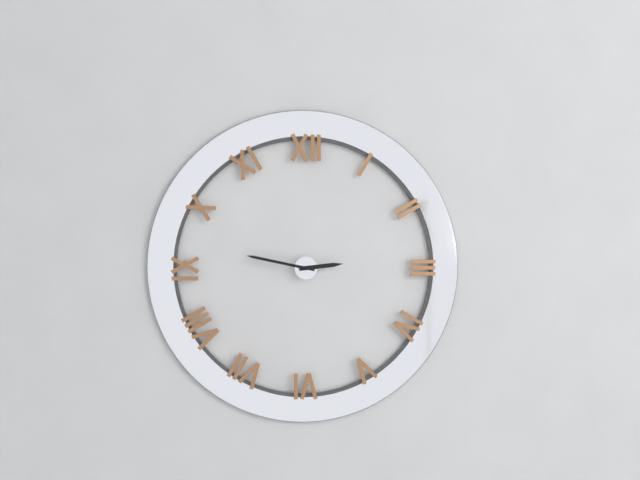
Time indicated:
2 h 47 min
